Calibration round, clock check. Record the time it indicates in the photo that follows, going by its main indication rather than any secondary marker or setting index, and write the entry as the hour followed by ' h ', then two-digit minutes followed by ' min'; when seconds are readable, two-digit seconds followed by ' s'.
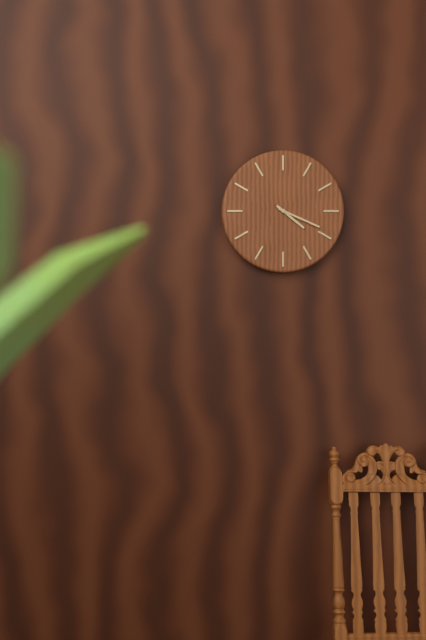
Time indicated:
4 h 19 min
